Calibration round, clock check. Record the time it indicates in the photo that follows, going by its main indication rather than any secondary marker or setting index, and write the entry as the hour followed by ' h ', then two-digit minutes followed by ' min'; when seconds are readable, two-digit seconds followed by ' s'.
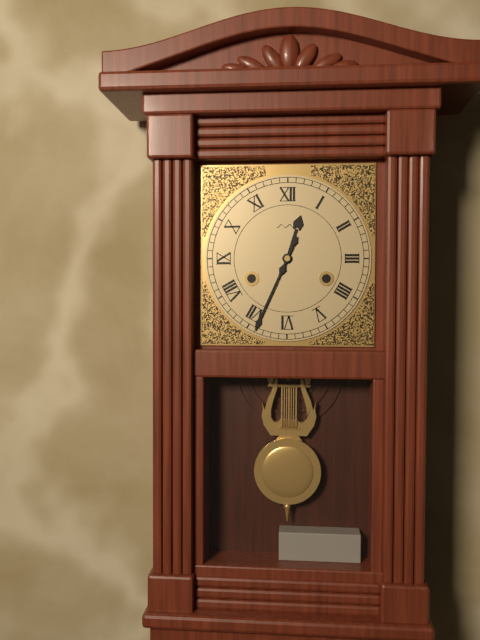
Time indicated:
12 h 34 min
